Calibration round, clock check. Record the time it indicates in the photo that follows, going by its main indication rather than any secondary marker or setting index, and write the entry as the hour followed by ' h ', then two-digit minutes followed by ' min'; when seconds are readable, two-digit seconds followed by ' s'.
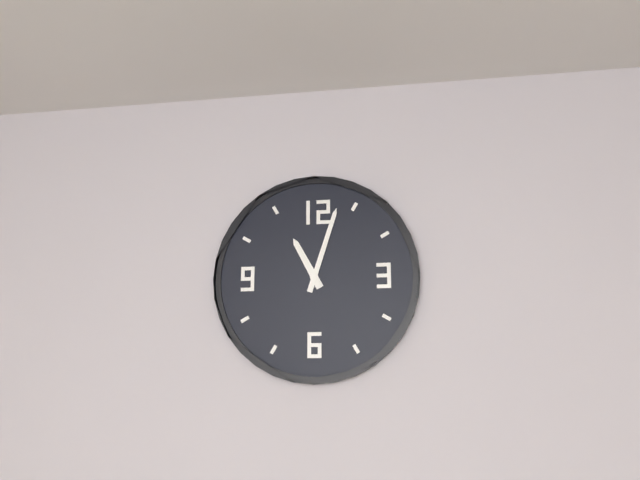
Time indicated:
11 h 03 min
